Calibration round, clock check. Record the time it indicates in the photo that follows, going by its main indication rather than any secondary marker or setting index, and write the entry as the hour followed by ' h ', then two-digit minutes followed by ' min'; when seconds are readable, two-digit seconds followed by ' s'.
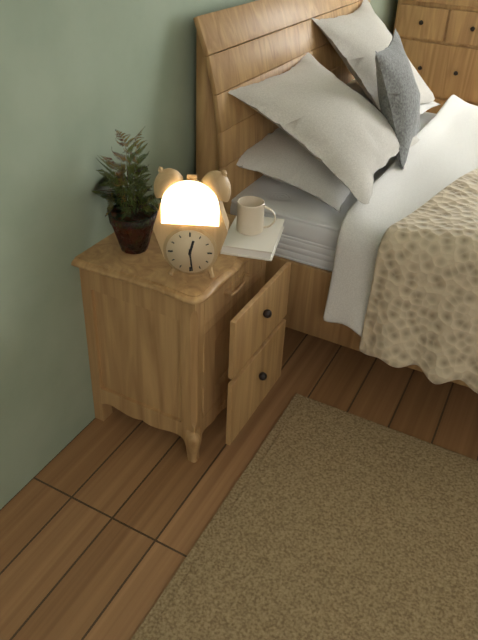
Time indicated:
12 h 29 min
